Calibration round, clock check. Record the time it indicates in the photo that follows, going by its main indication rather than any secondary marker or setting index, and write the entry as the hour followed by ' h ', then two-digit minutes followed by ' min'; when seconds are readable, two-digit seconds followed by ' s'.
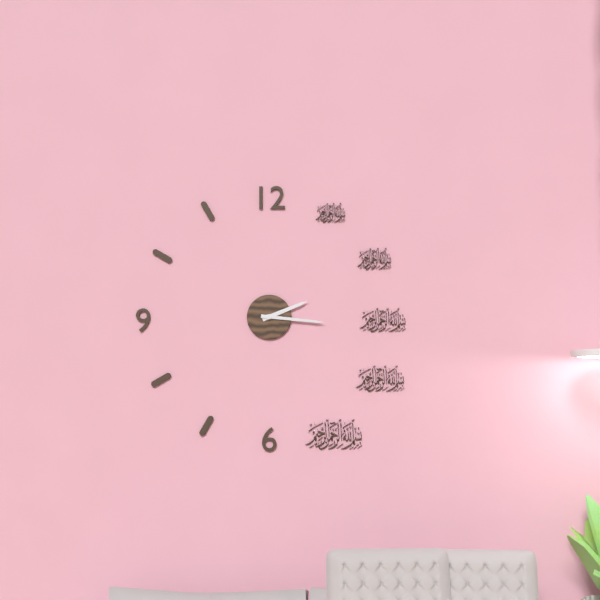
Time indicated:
2 h 16 min
